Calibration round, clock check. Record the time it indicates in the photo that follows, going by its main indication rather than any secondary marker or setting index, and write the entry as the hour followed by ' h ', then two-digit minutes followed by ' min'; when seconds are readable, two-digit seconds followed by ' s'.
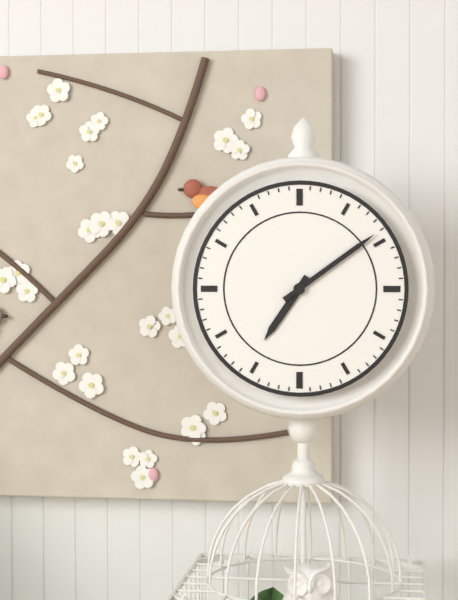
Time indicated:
7 h 09 min
